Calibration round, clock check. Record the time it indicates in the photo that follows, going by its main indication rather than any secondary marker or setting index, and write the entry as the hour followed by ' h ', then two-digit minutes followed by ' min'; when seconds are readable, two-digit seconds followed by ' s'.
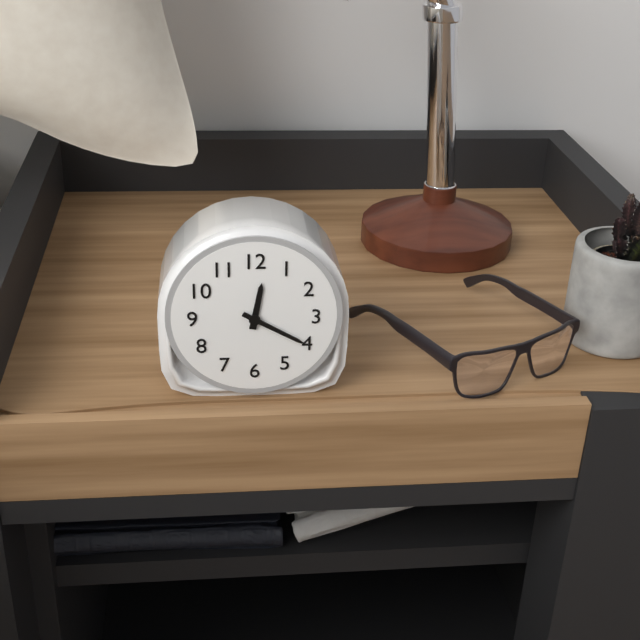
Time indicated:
12 h 20 min
